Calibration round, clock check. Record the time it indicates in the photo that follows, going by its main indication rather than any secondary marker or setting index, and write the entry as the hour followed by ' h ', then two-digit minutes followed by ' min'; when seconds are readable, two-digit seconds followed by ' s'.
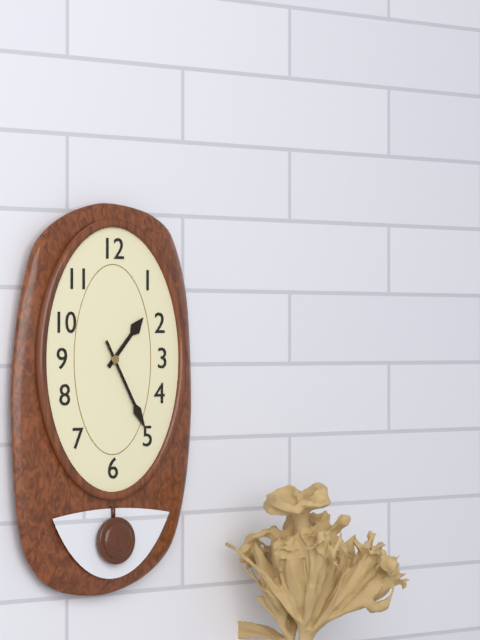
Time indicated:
1 h 25 min
